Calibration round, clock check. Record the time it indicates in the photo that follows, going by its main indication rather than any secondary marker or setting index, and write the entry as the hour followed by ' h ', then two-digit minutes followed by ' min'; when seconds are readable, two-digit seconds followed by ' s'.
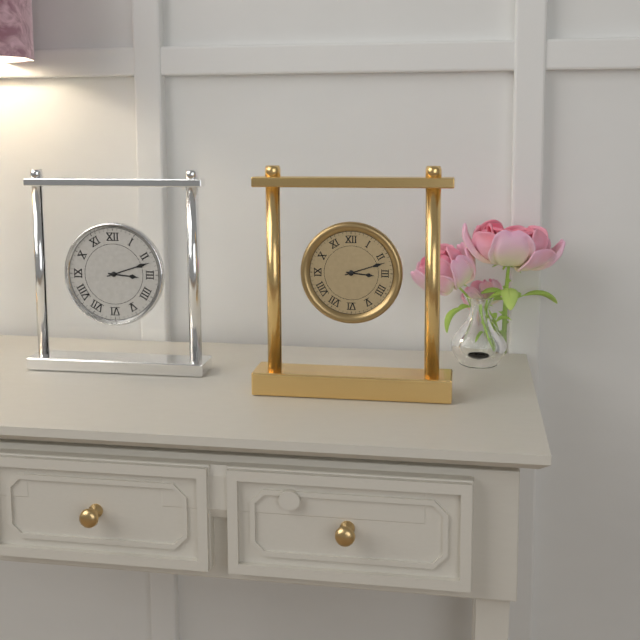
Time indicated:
3 h 12 min
